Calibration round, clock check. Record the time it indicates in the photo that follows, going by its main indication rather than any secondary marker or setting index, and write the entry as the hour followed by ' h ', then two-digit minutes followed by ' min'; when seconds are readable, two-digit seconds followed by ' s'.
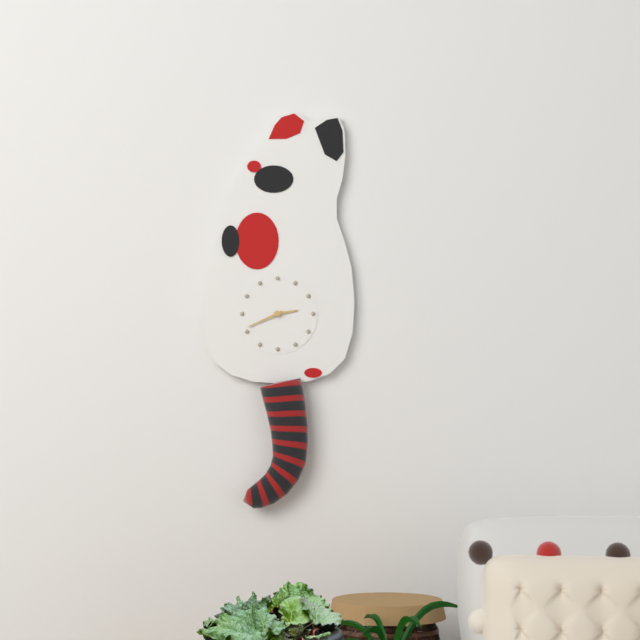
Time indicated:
2 h 41 min
